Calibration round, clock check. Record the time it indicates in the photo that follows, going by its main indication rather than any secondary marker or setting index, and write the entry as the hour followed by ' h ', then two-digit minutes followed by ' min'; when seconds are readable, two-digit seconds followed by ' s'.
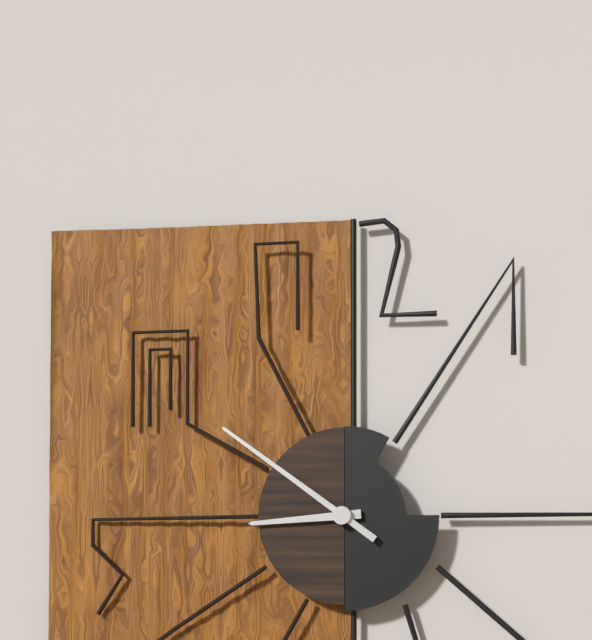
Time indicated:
8 h 51 min
